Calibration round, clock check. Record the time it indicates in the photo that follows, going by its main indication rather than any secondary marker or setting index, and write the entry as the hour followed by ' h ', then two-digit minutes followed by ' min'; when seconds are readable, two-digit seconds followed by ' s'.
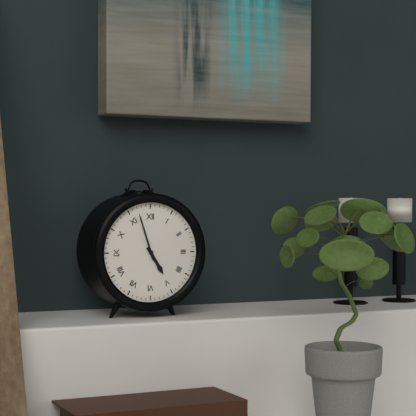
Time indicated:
4 h 57 min
